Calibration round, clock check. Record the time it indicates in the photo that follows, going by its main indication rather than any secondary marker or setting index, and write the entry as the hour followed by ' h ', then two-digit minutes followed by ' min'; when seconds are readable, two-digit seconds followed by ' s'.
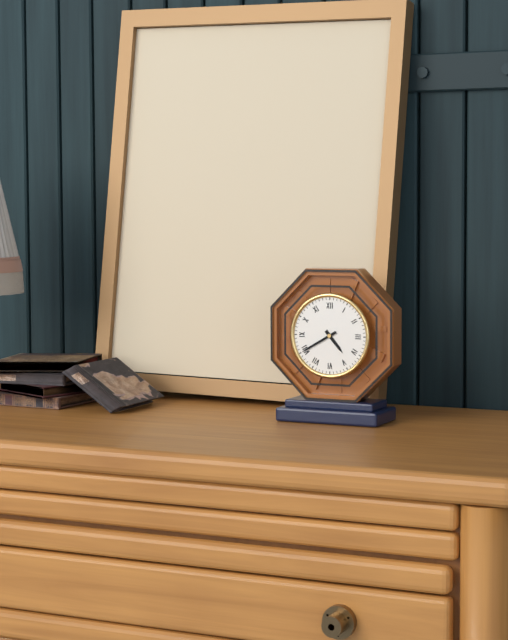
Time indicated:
4 h 40 min
